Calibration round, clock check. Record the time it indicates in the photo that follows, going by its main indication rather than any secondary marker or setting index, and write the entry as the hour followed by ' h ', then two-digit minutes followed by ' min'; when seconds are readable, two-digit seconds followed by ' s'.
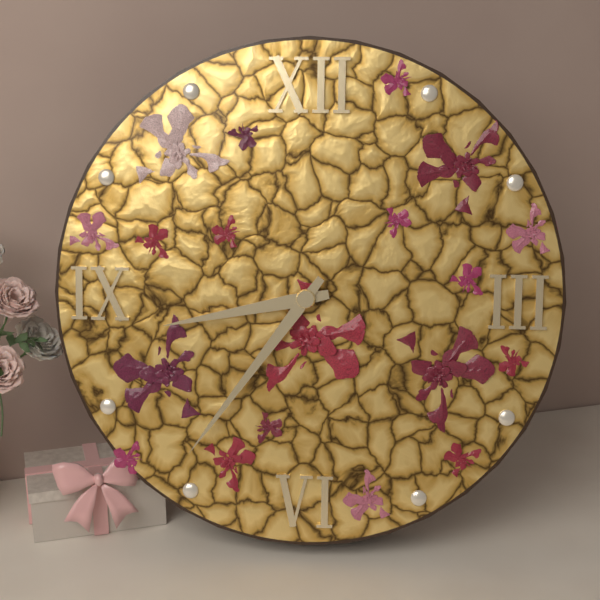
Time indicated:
8 h 36 min
